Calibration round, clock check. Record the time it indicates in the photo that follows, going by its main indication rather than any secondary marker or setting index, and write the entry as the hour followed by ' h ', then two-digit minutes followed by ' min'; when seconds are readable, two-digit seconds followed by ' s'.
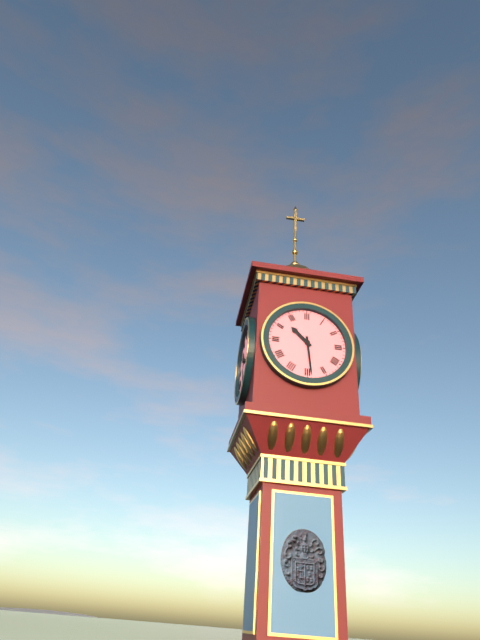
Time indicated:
10 h 29 min
